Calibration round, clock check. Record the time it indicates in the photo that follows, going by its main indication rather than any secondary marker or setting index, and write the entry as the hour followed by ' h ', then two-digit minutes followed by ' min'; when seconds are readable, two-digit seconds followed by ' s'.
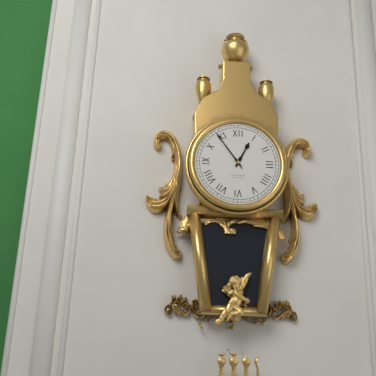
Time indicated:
12 h 54 min
